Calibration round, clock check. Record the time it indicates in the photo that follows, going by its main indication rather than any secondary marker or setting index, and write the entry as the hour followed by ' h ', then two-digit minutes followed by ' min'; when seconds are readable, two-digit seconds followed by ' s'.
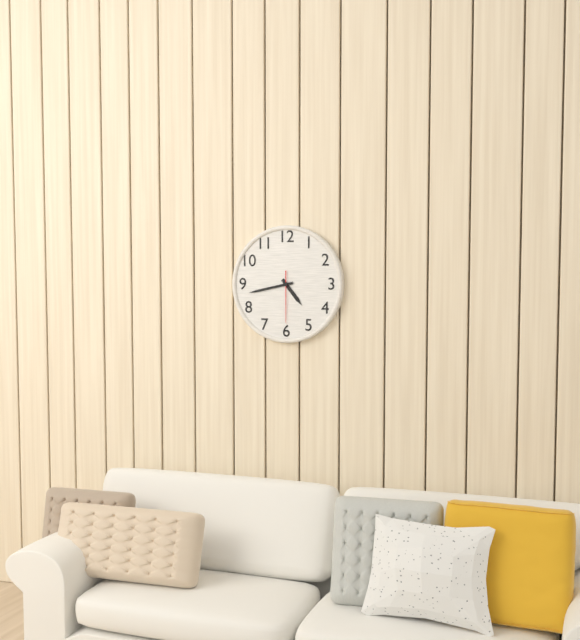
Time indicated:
4 h 43 min
